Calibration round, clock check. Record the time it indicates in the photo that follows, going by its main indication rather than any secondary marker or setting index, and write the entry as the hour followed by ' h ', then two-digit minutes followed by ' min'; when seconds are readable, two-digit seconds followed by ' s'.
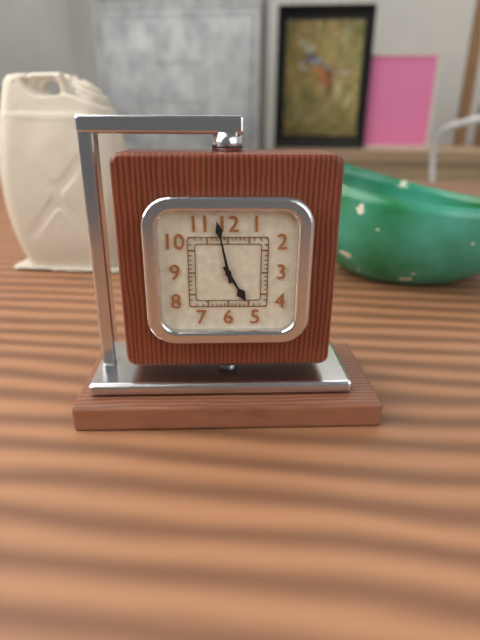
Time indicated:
4 h 58 min
